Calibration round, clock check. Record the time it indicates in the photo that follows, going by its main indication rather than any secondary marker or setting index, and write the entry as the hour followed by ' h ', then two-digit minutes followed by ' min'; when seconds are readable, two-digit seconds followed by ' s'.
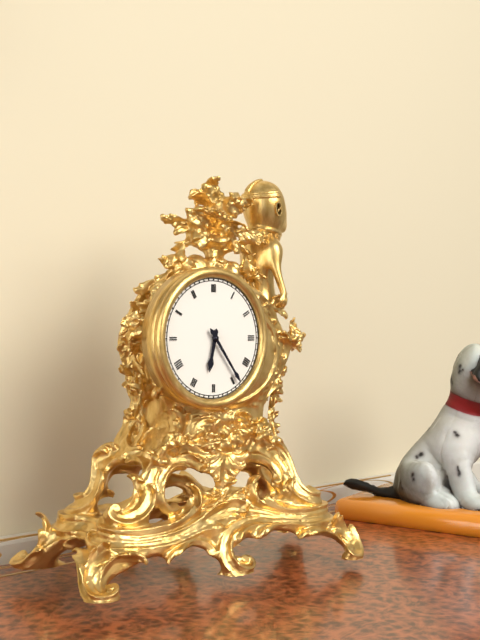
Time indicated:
6 h 24 min
